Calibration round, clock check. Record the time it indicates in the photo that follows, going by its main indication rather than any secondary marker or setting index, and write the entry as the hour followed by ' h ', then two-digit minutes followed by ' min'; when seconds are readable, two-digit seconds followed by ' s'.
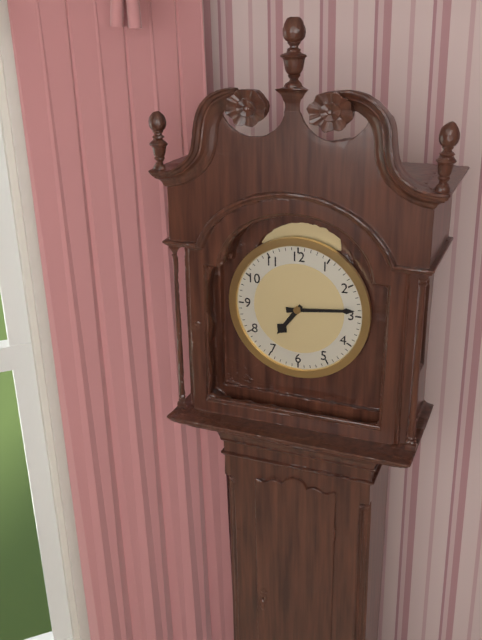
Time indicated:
7 h 14 min
